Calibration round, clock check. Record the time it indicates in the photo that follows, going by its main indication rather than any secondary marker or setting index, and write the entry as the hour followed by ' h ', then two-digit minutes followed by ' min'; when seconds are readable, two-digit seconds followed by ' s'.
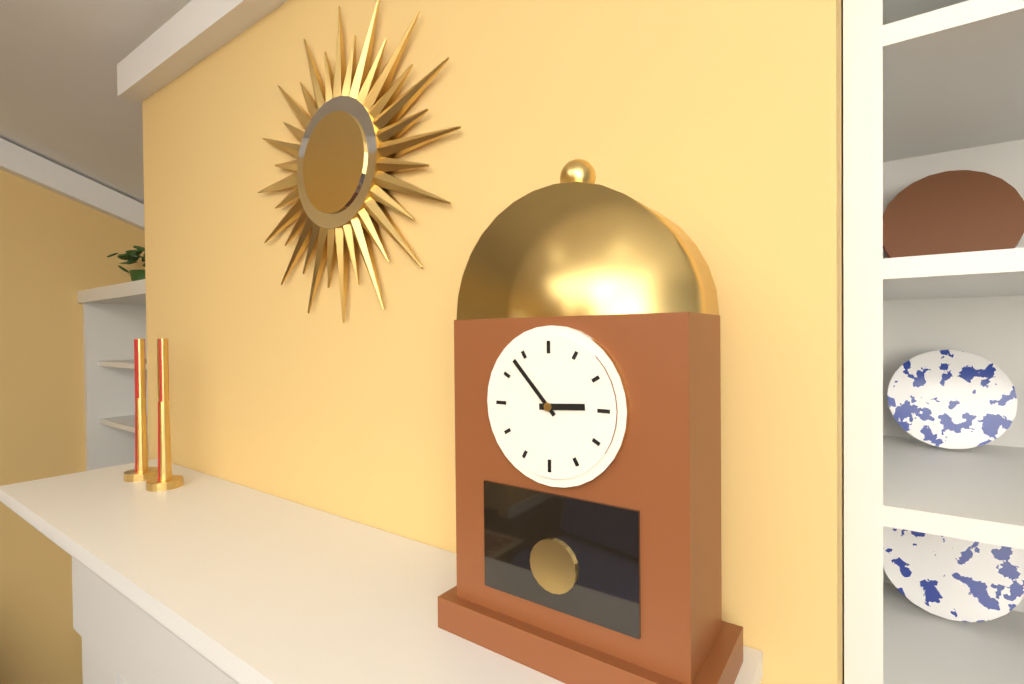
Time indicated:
2 h 53 min
